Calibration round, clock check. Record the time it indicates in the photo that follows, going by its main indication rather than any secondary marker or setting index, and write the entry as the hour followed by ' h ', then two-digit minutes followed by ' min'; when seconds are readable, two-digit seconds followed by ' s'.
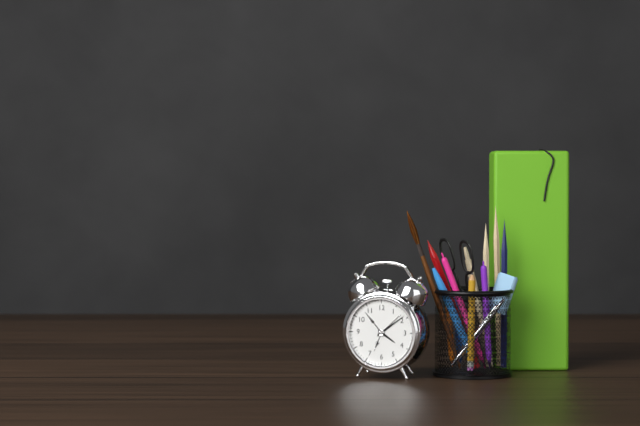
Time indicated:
4 h 09 min
